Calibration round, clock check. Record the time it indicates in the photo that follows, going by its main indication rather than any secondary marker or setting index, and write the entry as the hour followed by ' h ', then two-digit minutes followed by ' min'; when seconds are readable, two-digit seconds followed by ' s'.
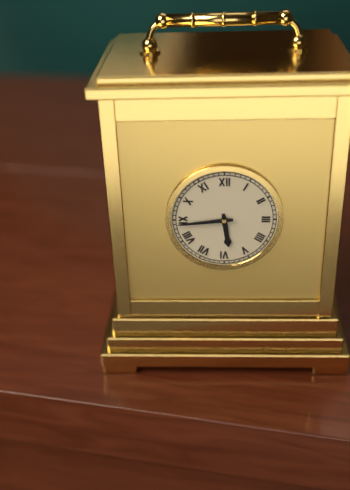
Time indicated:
5 h 44 min
